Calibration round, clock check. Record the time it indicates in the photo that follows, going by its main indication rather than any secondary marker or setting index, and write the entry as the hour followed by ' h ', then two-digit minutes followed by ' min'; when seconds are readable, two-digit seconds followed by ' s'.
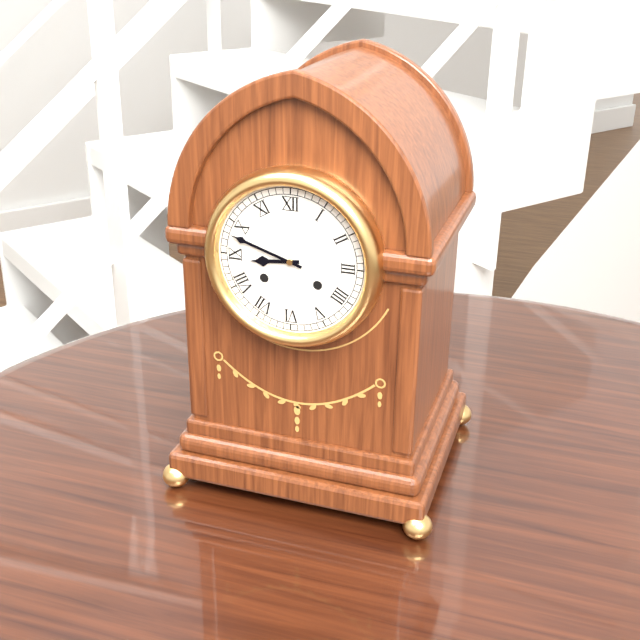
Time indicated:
8 h 48 min
